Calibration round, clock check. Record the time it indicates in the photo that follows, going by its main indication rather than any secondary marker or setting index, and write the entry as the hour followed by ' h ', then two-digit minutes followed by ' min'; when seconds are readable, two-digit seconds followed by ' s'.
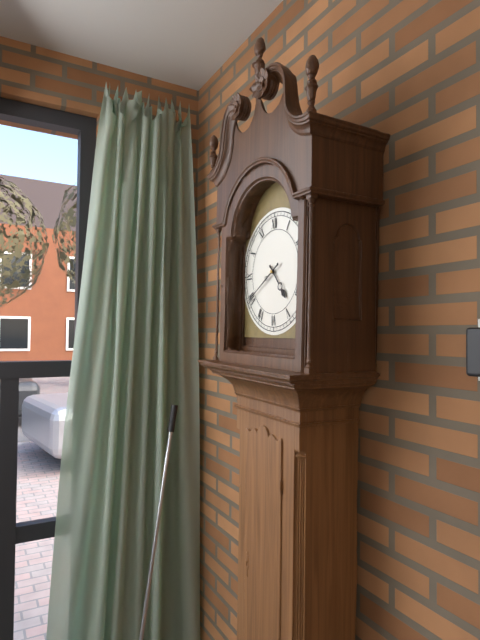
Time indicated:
4 h 40 min
